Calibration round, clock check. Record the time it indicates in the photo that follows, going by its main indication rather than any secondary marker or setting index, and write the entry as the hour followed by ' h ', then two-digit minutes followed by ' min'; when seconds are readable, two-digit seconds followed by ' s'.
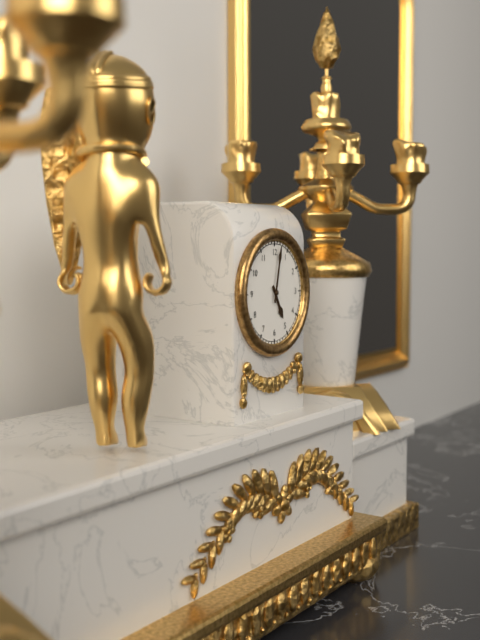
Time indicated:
5 h 02 min
